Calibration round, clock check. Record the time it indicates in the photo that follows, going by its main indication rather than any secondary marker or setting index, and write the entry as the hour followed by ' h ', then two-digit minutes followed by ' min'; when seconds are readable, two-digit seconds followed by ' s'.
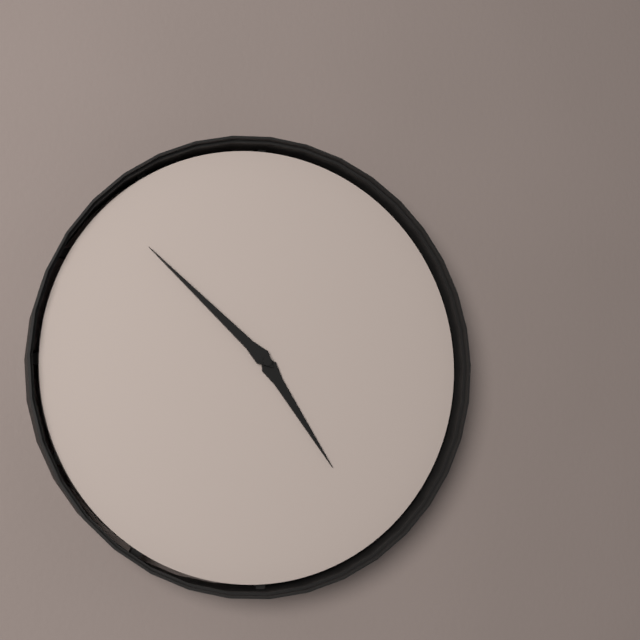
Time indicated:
4 h 52 min
